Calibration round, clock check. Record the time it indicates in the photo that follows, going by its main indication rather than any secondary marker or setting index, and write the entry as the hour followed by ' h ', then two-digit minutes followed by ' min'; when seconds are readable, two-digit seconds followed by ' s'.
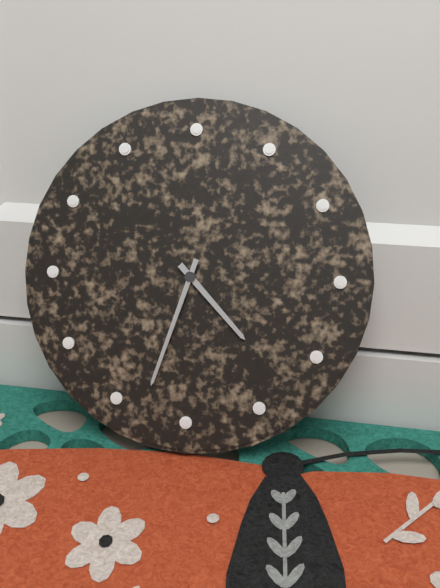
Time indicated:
4 h 33 min
